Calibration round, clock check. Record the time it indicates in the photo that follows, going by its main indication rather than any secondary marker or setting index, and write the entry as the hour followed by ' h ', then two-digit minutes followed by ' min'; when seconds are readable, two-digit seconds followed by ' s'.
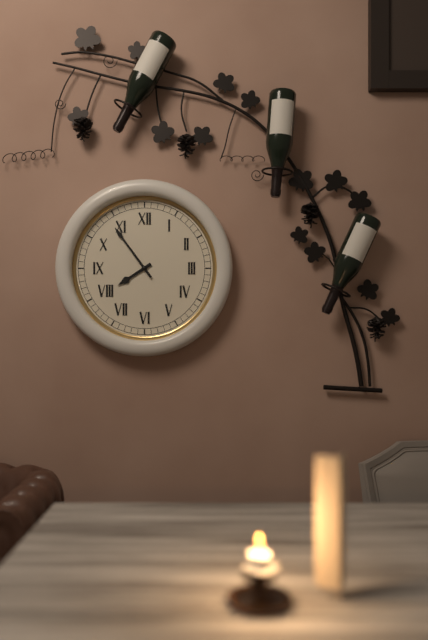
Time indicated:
7 h 54 min
